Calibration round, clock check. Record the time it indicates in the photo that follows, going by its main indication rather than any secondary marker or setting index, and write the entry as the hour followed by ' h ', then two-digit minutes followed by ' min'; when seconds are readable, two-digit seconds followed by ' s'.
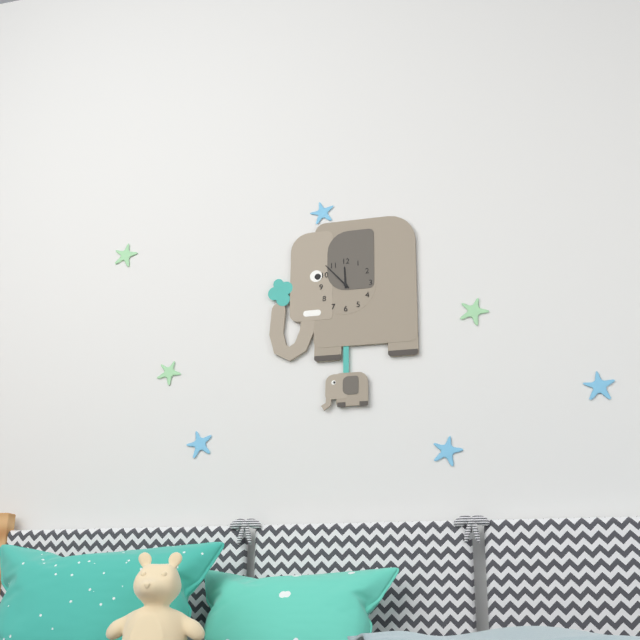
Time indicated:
11 h 53 min
